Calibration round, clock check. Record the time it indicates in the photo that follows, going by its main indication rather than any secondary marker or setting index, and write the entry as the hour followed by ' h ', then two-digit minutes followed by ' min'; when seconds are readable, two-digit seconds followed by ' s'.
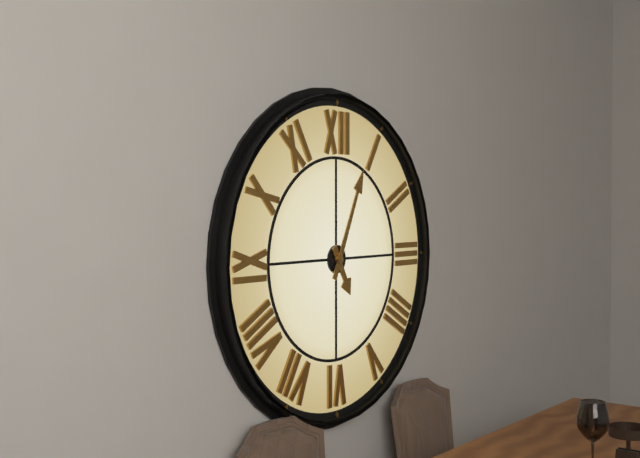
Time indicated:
5 h 04 min
